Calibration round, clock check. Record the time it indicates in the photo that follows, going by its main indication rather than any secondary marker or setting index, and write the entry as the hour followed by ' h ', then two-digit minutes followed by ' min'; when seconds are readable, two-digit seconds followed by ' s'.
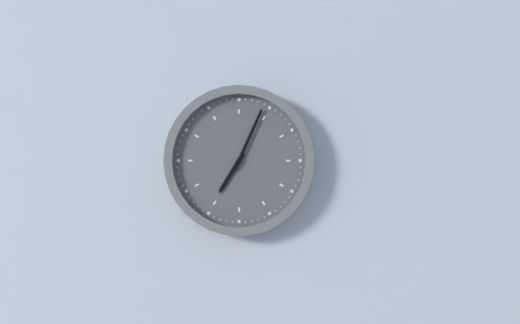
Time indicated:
7 h 04 min
